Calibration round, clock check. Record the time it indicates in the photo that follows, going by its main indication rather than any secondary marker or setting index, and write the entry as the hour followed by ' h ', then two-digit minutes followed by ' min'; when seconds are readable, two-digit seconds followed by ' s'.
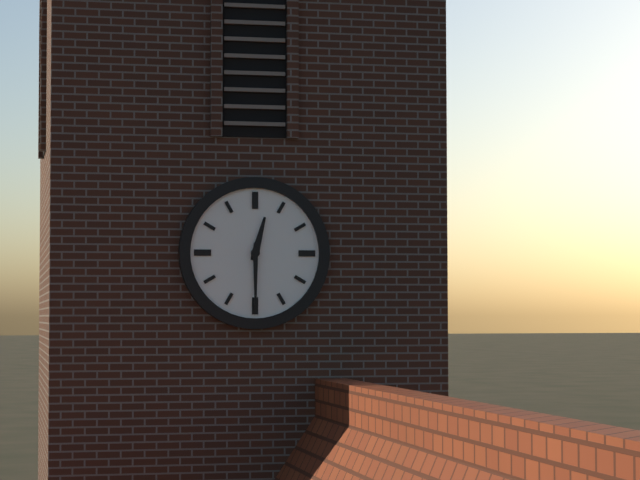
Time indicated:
12 h 30 min
